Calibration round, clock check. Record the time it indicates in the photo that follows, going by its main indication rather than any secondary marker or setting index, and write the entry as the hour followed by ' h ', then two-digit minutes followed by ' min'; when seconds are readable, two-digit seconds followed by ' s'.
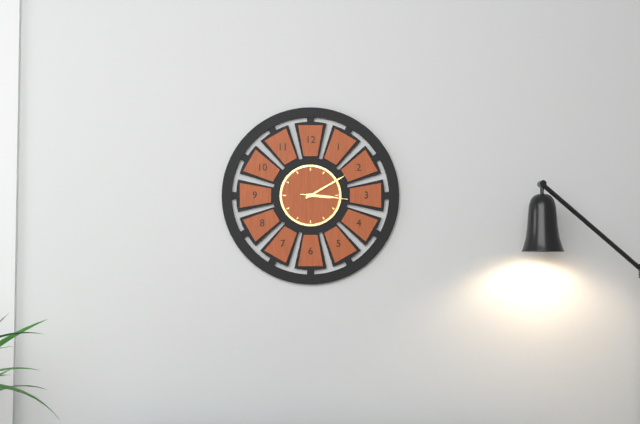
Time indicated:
3 h 10 min
